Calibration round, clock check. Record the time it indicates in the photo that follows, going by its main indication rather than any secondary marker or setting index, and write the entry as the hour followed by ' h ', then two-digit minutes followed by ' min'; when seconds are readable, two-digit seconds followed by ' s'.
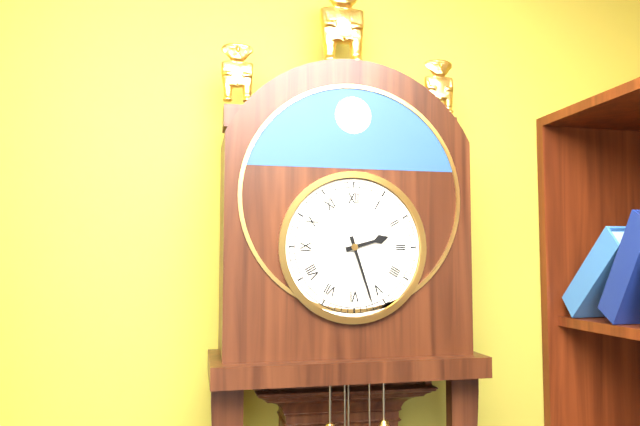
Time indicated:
2 h 27 min
